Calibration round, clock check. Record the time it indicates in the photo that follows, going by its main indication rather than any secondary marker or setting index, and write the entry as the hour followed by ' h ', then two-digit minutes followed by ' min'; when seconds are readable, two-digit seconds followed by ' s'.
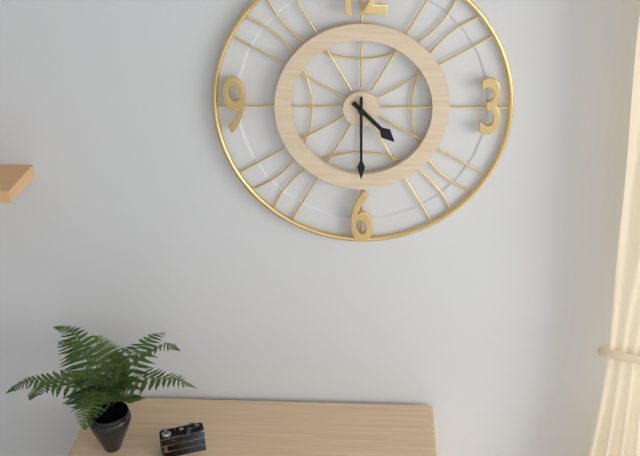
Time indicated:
4 h 30 min
